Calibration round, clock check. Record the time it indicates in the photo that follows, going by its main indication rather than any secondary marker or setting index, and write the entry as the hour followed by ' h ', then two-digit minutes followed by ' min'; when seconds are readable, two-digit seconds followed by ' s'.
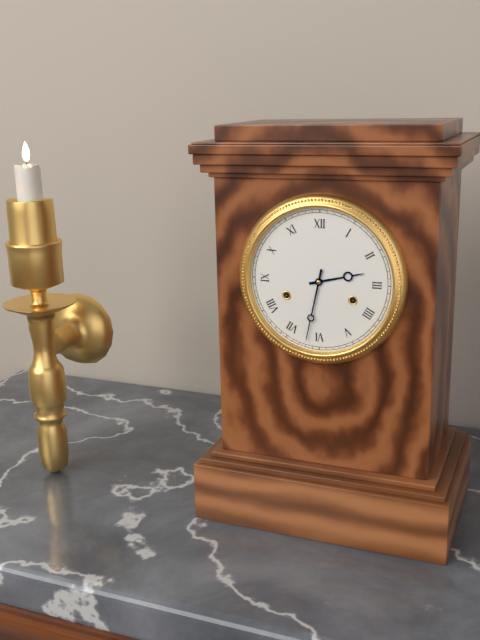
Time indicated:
2 h 32 min
